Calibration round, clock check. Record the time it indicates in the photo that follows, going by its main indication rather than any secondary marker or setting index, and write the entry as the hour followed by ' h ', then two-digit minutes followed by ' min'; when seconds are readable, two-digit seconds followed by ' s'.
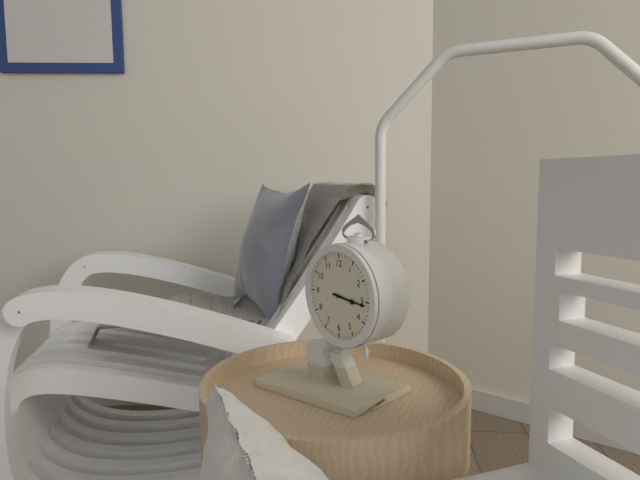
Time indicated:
3 h 16 min
